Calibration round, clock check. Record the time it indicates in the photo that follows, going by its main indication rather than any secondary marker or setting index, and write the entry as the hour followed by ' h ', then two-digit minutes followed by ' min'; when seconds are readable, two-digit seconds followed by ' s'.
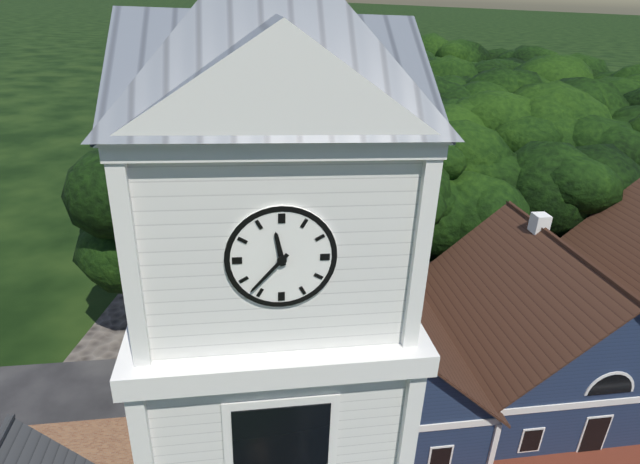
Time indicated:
11 h 37 min
